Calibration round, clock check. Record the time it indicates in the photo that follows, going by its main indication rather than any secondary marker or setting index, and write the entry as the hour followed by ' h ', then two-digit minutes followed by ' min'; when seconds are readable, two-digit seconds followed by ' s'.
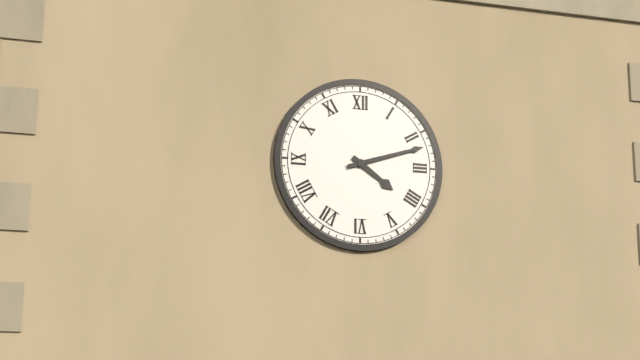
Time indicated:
4 h 12 min
